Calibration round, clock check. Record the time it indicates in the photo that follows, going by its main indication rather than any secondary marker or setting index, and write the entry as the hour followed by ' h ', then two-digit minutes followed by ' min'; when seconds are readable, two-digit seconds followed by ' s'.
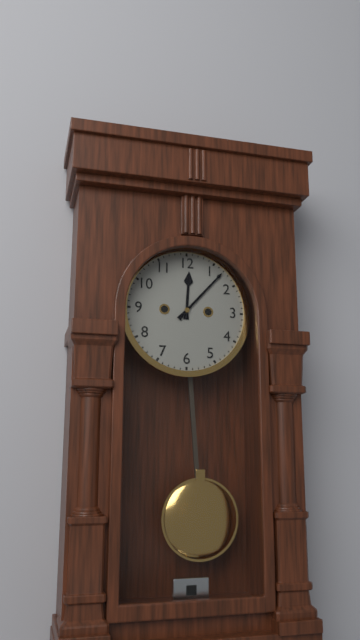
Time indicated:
12 h 07 min
